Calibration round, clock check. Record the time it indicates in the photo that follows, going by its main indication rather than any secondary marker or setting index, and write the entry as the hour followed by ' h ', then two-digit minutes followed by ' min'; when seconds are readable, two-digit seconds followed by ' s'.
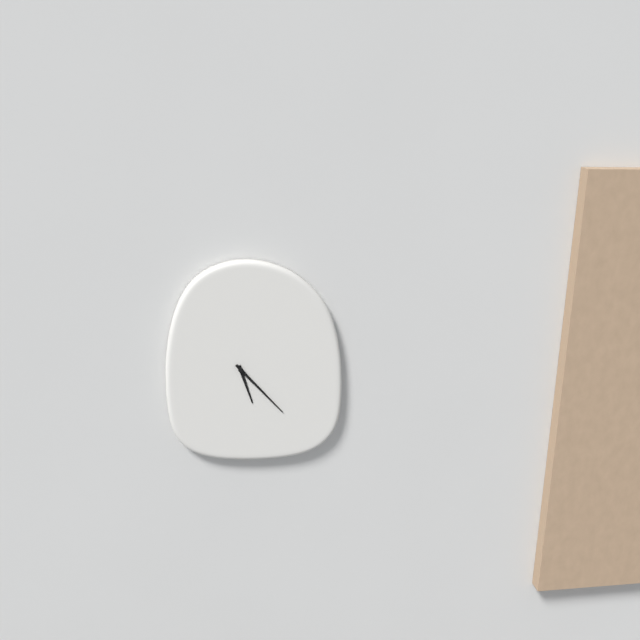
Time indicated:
5 h 23 min
